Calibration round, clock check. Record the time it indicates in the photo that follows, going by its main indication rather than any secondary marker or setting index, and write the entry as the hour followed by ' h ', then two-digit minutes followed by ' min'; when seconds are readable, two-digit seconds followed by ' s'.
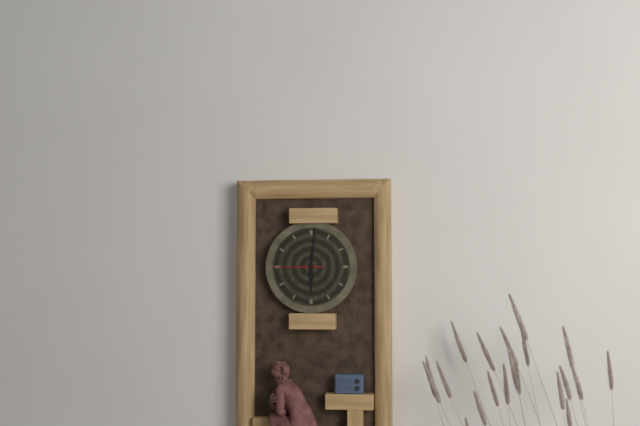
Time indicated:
6 h 01 min
